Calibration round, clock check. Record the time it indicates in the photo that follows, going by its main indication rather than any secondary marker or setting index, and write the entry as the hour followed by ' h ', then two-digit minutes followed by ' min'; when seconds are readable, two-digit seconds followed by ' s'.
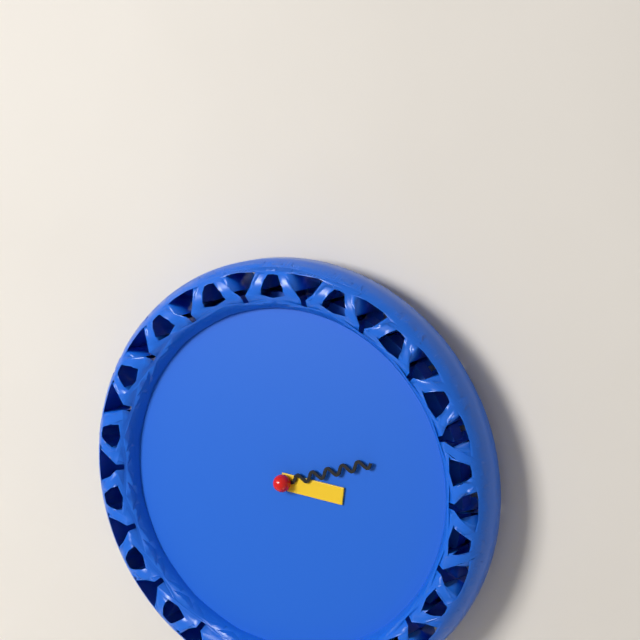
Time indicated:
3 h 12 min
